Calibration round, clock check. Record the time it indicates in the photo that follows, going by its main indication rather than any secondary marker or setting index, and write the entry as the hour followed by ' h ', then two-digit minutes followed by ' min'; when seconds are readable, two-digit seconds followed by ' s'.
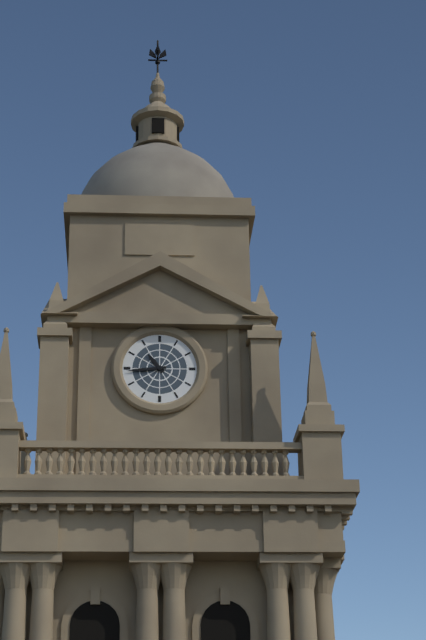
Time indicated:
10 h 44 min
